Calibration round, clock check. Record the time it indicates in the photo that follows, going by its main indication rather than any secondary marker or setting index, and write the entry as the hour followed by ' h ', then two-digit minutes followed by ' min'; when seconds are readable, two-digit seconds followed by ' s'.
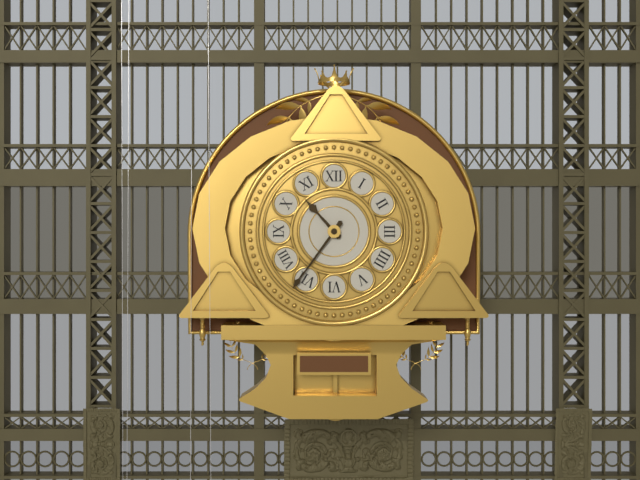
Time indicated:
10 h 36 min
